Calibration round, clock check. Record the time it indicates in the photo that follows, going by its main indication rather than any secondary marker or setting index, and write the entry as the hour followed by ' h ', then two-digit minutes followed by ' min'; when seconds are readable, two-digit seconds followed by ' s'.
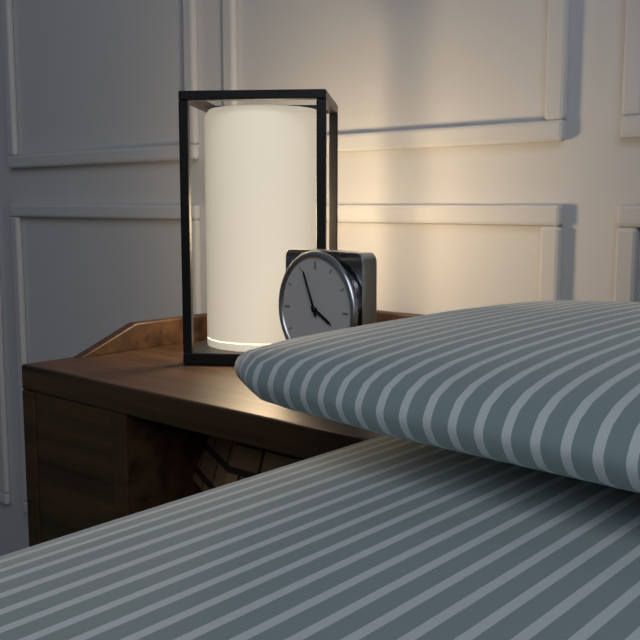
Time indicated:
3 h 56 min
